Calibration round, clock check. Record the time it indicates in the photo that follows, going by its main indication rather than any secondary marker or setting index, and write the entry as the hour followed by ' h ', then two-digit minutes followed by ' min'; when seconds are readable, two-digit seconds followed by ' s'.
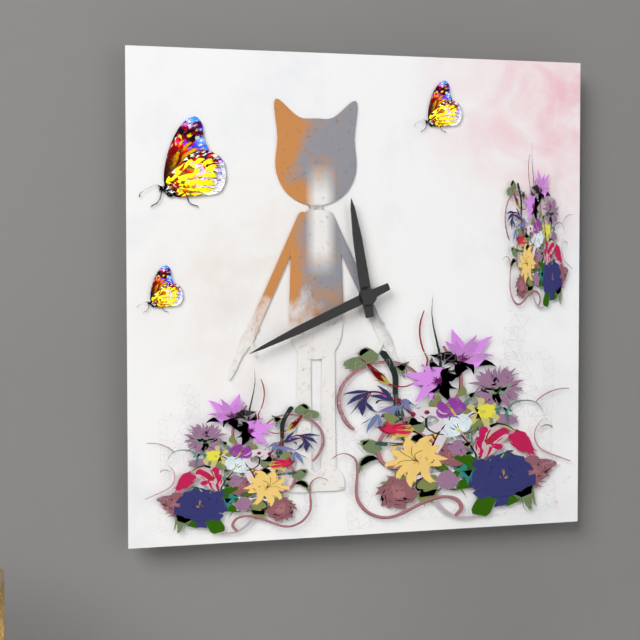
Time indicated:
11 h 41 min
